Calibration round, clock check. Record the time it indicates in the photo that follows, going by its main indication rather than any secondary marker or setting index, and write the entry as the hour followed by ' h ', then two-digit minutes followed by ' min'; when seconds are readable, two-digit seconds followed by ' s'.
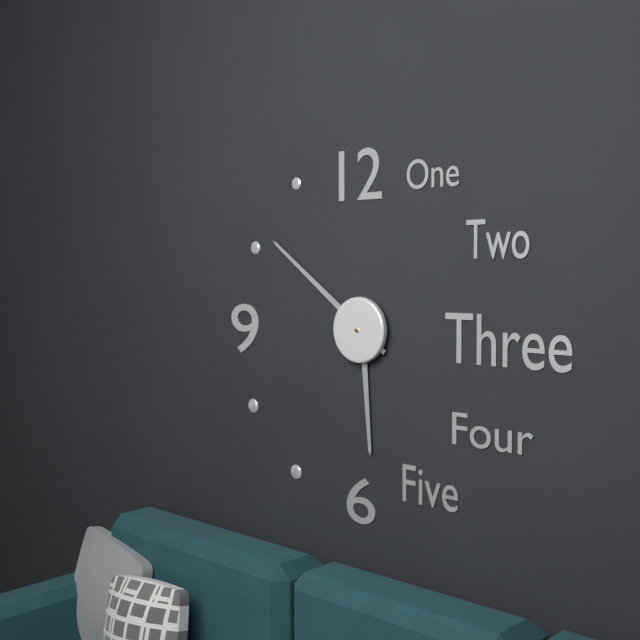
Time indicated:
5 h 51 min
